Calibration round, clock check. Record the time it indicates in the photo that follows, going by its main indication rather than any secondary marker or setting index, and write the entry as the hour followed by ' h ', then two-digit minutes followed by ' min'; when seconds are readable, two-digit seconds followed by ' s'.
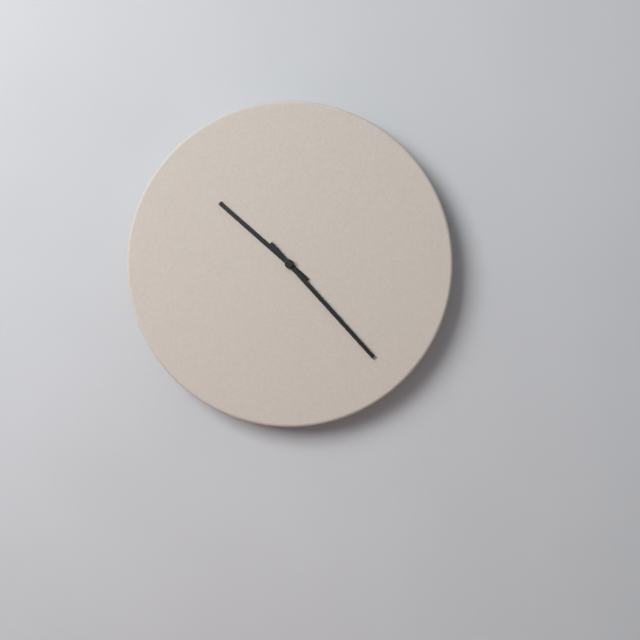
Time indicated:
10 h 23 min
